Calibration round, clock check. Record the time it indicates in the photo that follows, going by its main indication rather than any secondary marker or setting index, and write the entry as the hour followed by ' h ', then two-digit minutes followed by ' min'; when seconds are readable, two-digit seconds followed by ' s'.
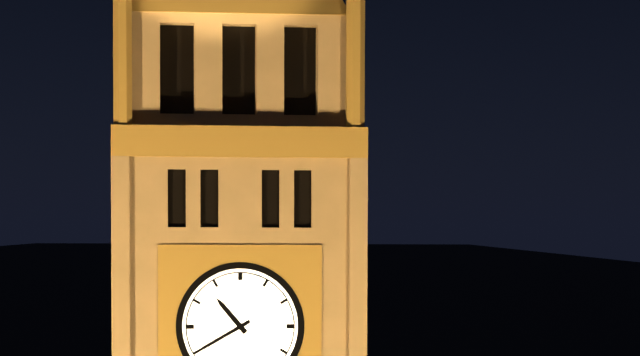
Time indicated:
10 h 40 min
